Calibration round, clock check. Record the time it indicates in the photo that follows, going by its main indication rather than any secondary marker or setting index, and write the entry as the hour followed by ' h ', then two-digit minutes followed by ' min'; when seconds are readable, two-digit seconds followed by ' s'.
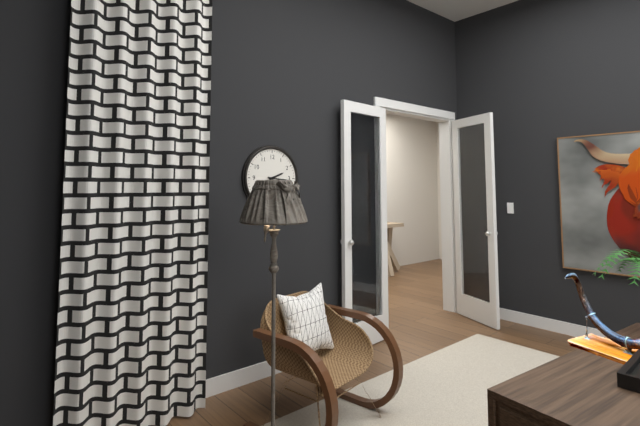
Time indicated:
2 h 16 min
